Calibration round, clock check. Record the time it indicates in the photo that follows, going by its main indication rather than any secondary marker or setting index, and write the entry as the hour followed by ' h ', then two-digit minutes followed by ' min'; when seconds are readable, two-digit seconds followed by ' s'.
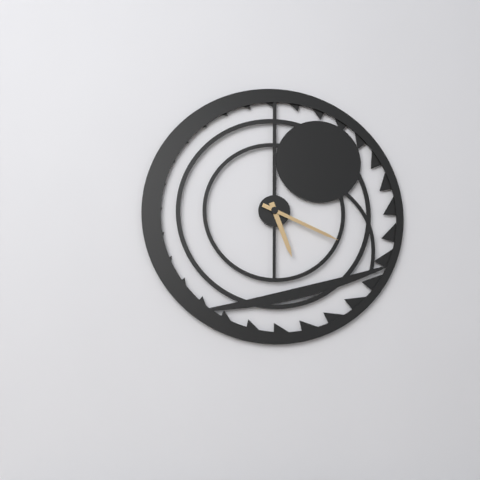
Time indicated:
5 h 19 min
